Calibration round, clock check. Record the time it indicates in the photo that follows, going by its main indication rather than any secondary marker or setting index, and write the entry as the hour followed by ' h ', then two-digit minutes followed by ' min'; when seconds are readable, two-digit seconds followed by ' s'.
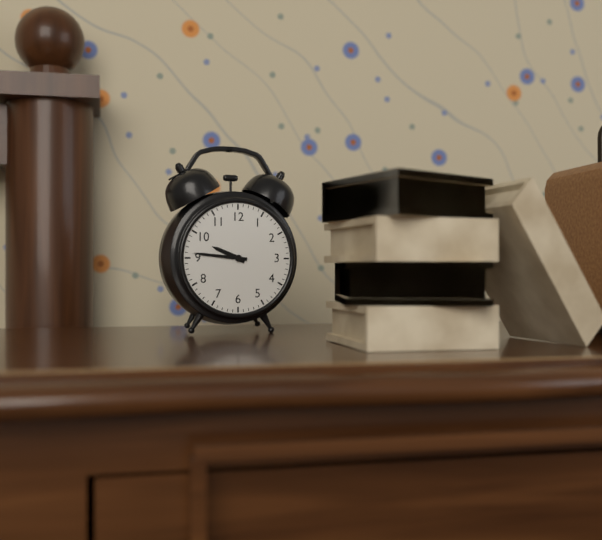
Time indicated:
9 h 46 min
